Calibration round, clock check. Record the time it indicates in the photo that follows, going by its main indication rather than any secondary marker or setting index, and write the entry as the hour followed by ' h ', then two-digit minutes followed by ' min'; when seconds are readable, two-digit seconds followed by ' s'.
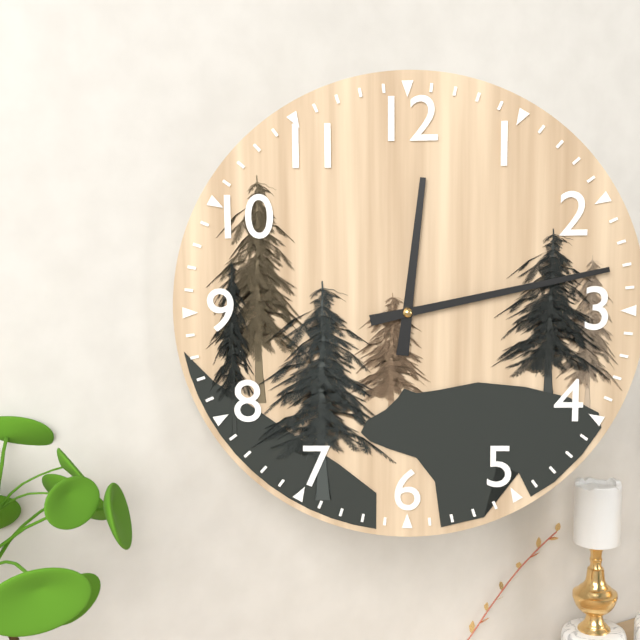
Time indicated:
12 h 13 min
